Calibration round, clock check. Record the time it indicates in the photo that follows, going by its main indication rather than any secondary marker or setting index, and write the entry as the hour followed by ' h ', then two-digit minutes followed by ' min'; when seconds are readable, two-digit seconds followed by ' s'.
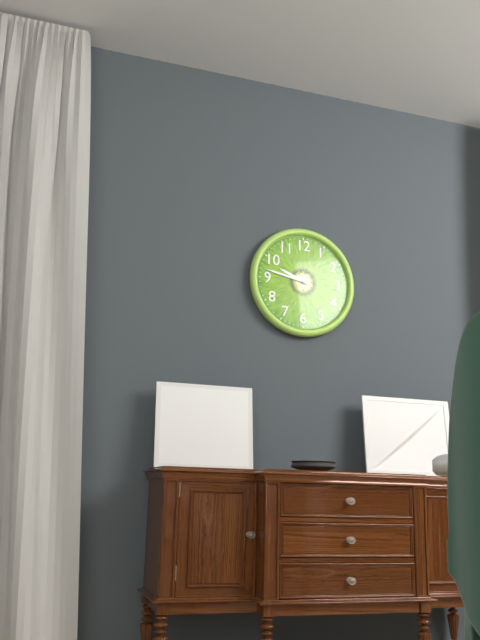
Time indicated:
9 h 47 min
